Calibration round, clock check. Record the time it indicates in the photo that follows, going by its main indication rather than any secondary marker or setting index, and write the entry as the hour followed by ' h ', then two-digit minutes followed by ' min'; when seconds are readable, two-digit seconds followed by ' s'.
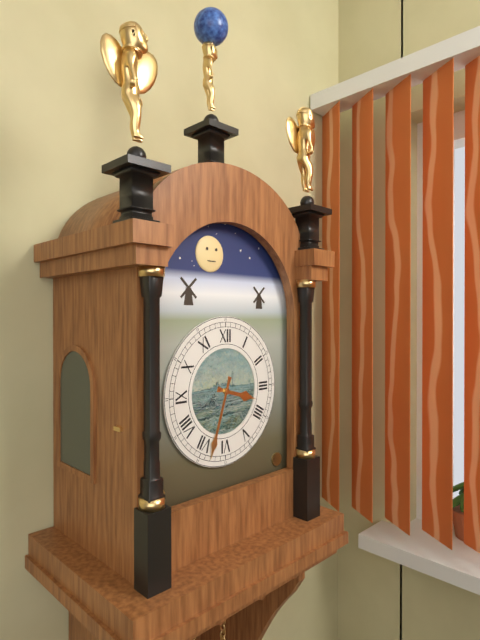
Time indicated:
3 h 33 min
